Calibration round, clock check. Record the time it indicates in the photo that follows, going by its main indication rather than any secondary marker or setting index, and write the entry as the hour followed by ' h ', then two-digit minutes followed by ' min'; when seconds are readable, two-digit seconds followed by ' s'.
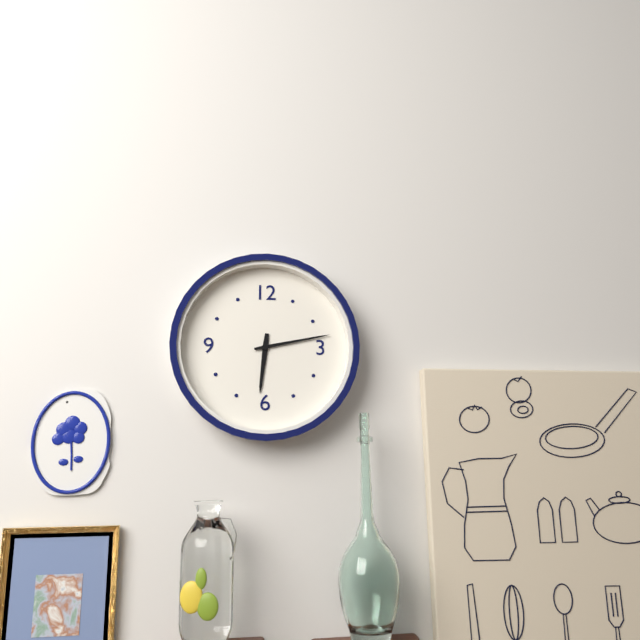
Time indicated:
6 h 13 min
